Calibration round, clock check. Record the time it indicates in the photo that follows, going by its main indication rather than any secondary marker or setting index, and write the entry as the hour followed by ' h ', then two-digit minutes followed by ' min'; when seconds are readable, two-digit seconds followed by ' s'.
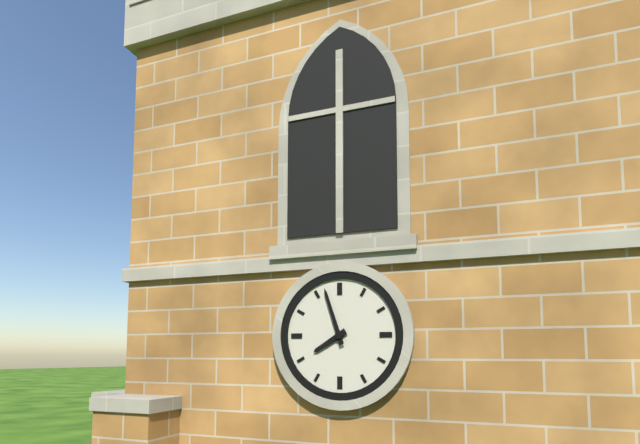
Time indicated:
7 h 57 min
